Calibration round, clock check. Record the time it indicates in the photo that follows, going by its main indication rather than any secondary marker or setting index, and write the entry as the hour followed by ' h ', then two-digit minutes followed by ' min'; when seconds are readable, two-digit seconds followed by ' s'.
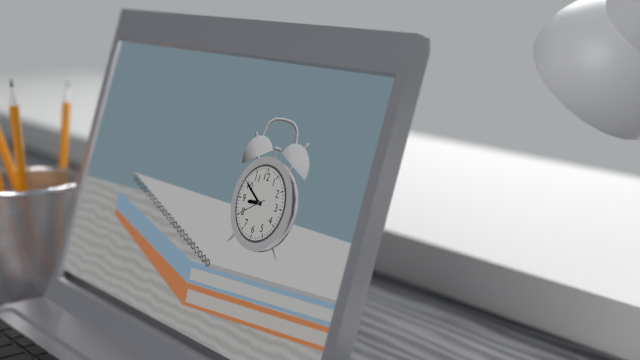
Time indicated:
8 h 50 min
